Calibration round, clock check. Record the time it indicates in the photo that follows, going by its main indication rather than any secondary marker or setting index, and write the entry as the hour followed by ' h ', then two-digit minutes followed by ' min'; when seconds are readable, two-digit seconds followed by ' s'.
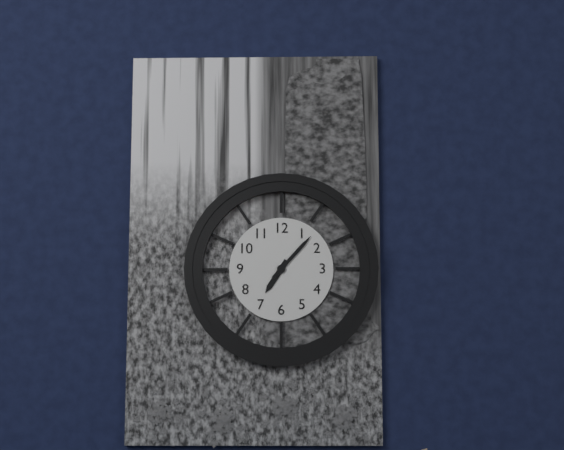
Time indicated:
7 h 07 min
